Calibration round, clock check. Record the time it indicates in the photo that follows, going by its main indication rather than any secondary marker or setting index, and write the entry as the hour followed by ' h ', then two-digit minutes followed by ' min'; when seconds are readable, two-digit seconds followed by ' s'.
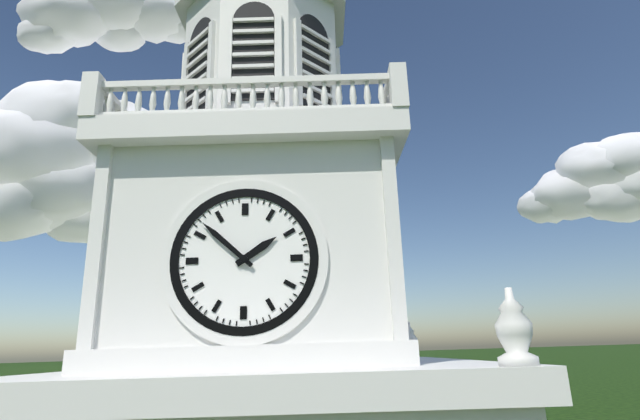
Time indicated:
1 h 52 min
